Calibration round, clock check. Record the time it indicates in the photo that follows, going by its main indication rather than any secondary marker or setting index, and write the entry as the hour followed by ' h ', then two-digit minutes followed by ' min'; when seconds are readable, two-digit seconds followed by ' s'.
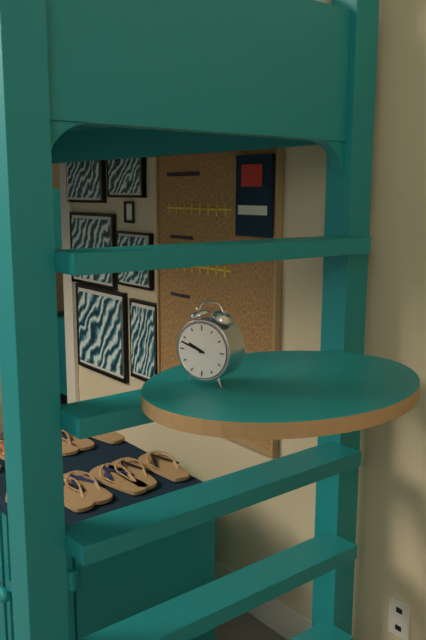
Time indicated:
9 h 48 min
